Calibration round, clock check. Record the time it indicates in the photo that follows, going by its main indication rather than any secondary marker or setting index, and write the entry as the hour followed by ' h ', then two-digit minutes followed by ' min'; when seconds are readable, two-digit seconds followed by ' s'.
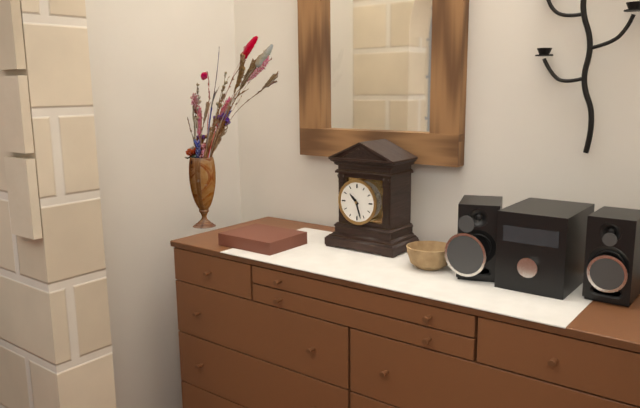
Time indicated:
10 h 27 min
